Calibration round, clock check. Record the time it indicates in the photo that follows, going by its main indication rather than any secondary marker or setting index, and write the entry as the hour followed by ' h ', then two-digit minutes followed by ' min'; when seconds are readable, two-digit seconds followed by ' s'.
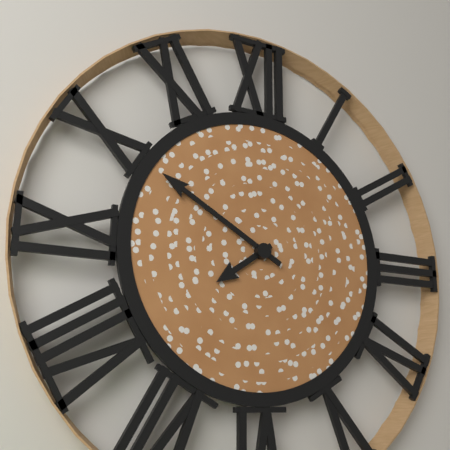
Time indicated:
7 h 50 min
